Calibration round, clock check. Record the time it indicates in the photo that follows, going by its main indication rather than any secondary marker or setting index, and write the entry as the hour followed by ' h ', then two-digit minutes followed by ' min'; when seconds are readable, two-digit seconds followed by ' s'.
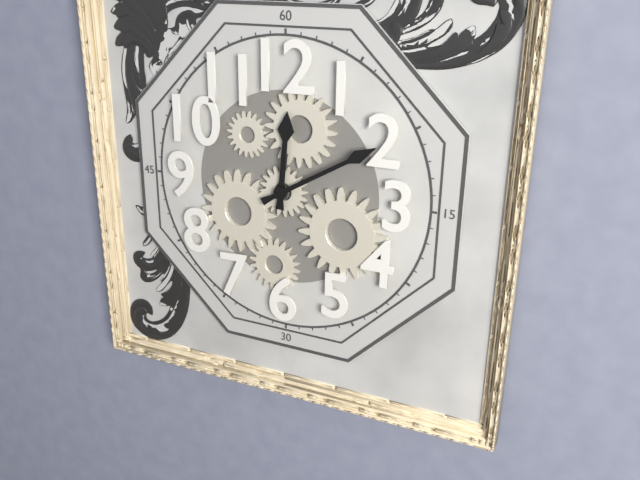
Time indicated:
12 h 10 min
